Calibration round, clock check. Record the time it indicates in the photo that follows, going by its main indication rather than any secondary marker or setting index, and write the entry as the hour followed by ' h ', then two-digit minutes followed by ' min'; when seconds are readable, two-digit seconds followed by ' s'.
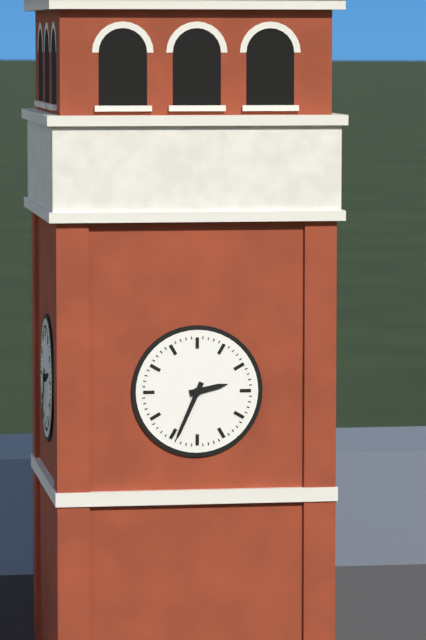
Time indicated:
2 h 34 min
